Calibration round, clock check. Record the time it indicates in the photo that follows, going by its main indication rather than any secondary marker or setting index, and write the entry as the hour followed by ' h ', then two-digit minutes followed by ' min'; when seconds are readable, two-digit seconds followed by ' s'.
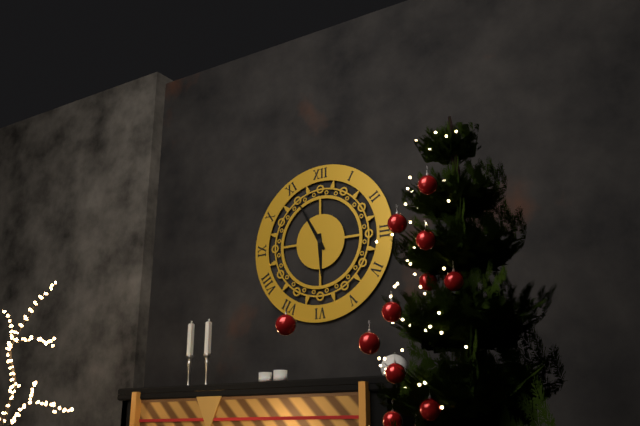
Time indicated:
5 h 55 min
